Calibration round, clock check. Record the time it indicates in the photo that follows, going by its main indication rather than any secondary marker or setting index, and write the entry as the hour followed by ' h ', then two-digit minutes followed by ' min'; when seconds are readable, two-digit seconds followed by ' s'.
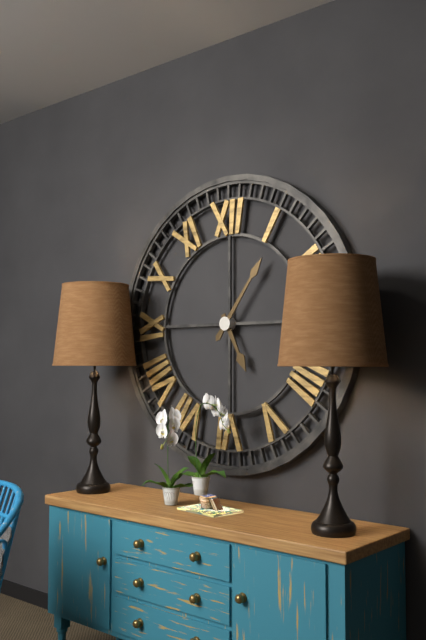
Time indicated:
5 h 06 min
